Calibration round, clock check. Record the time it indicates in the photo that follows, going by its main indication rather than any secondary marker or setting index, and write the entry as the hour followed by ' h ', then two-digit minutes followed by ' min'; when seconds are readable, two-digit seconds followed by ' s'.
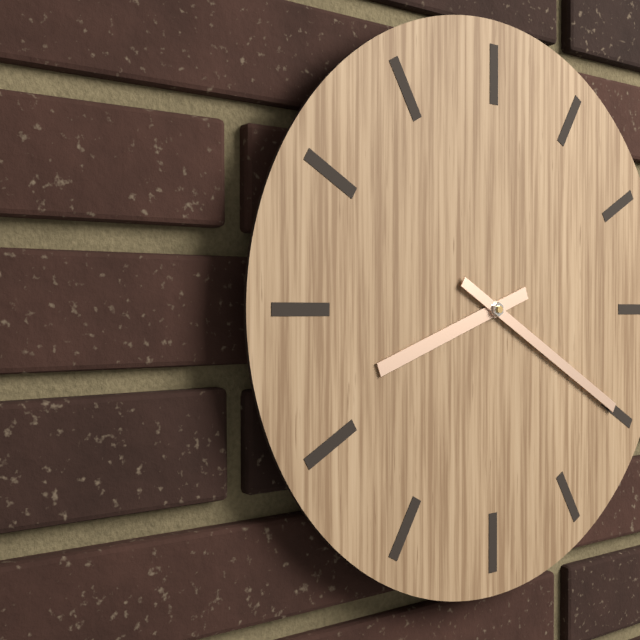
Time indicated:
8 h 20 min
